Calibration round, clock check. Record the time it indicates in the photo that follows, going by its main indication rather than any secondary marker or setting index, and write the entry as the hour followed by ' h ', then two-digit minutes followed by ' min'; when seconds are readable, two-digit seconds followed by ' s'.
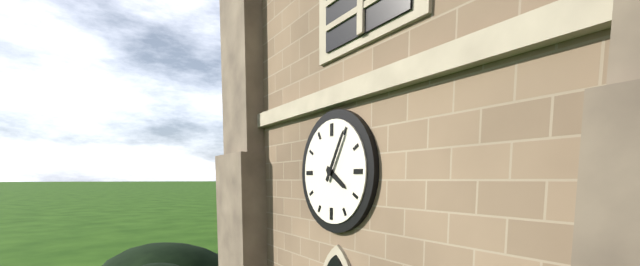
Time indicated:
4 h 05 min
